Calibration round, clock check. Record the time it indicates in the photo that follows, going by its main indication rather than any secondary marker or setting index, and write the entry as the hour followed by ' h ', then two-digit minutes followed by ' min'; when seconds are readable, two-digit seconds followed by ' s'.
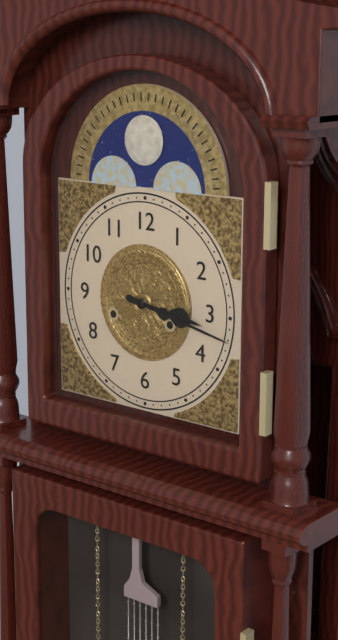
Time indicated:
3 h 17 min
